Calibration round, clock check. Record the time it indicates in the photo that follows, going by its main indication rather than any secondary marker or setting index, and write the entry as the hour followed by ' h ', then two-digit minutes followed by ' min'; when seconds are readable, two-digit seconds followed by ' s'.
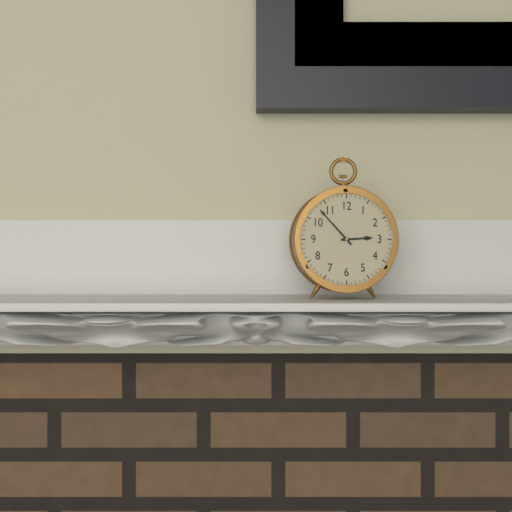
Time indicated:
2 h 53 min
